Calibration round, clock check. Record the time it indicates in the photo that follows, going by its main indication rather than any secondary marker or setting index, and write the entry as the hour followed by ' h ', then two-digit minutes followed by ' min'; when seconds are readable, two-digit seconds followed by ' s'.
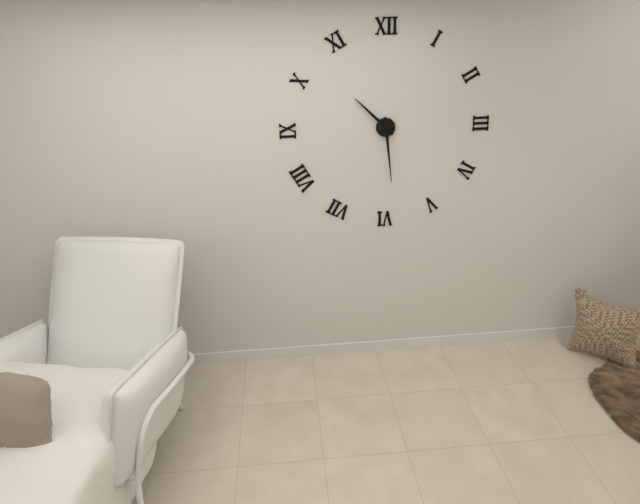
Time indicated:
10 h 29 min
